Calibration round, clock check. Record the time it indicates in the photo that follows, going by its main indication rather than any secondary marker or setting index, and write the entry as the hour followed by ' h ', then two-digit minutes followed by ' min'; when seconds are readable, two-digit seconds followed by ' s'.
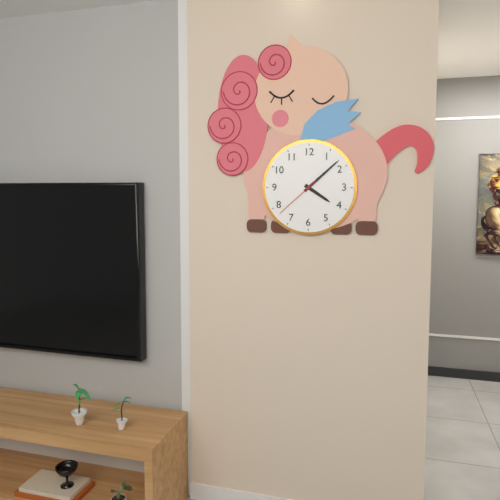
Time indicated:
4 h 08 min
